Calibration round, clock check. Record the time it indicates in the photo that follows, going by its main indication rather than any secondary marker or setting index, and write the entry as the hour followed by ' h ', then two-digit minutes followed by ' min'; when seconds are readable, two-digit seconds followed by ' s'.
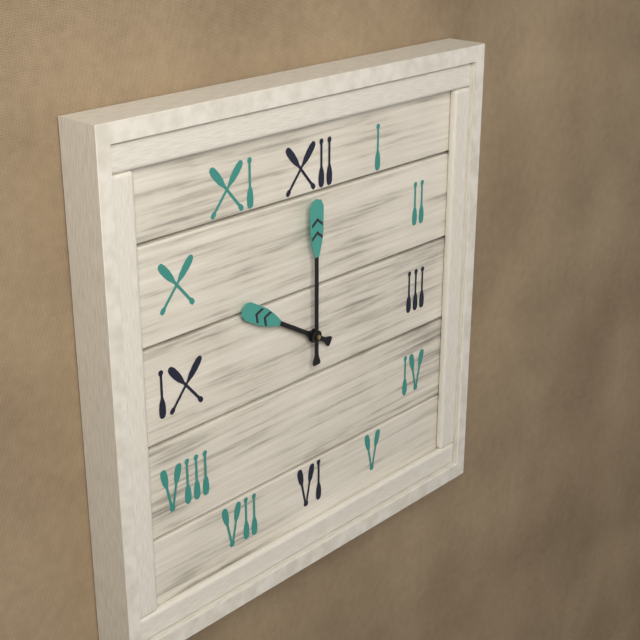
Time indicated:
10 h 00 min
